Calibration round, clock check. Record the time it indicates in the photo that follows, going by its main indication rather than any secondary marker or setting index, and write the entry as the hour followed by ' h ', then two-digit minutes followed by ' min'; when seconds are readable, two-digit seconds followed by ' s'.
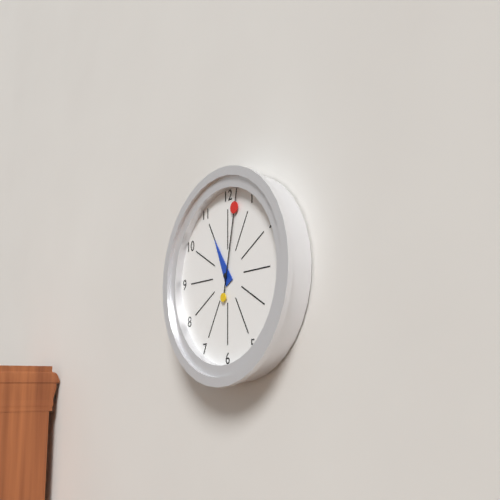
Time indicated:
11 h 02 min
